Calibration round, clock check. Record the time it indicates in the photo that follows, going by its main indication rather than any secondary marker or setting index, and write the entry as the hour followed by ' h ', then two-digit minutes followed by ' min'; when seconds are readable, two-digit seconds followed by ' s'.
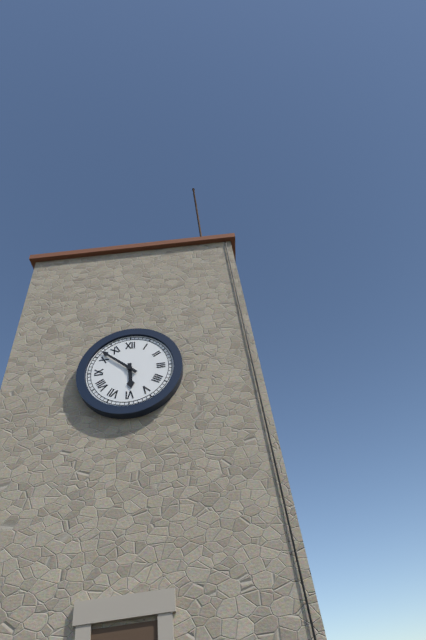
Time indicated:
5 h 52 min
